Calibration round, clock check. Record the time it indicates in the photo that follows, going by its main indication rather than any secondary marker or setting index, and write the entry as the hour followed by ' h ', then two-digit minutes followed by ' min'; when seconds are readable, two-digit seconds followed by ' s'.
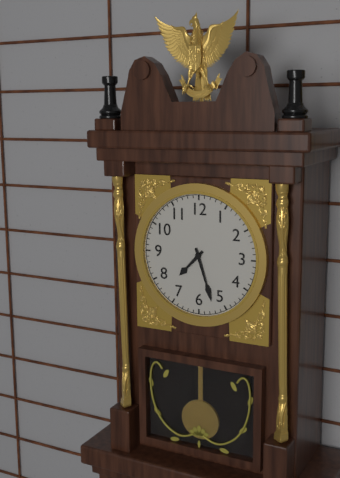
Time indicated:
7 h 27 min
